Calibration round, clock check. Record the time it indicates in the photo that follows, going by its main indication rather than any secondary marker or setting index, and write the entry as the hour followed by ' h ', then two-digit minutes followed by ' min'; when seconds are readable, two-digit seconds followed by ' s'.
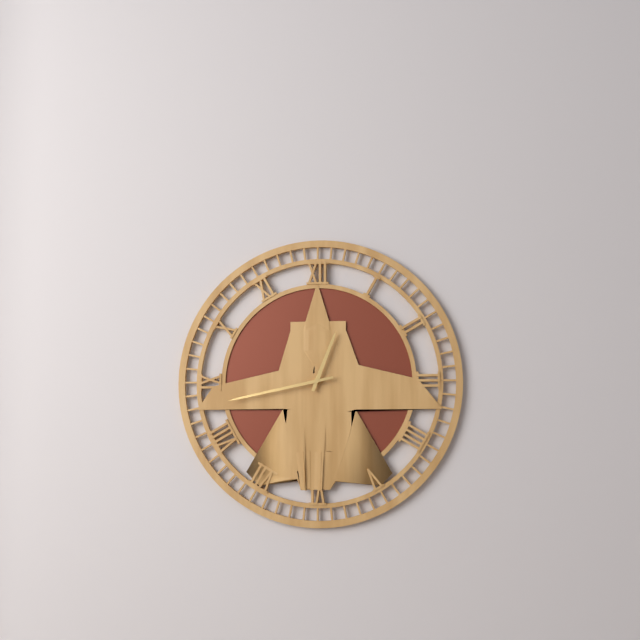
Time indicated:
12 h 43 min
